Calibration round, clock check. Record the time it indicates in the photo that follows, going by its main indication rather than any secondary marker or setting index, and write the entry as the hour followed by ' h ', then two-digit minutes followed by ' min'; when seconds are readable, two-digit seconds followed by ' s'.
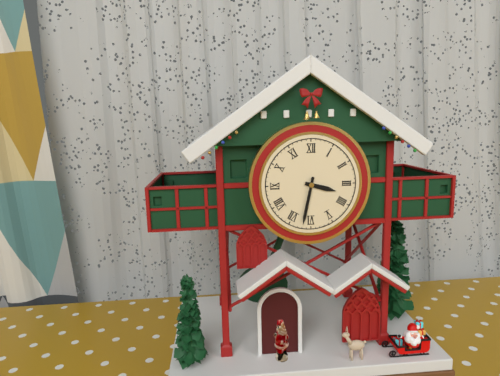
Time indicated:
3 h 32 min
